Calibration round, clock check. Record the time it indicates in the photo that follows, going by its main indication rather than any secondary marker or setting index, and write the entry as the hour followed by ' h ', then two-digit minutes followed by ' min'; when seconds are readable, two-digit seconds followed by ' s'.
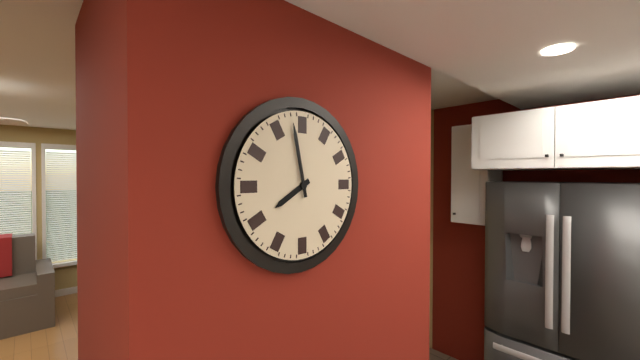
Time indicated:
7 h 58 min
